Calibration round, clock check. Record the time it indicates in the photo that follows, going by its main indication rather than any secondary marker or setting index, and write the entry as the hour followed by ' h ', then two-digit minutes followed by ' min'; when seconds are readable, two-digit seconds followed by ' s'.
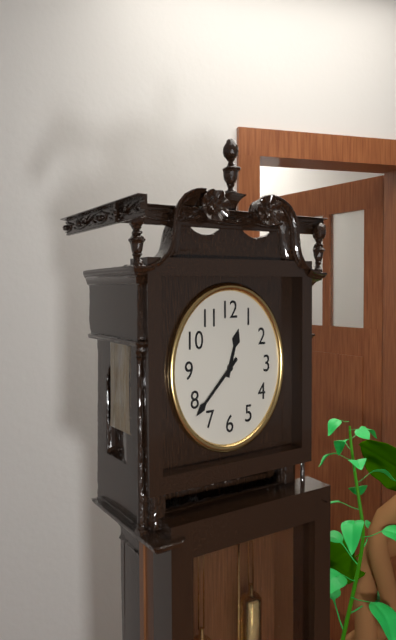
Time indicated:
12 h 38 min
